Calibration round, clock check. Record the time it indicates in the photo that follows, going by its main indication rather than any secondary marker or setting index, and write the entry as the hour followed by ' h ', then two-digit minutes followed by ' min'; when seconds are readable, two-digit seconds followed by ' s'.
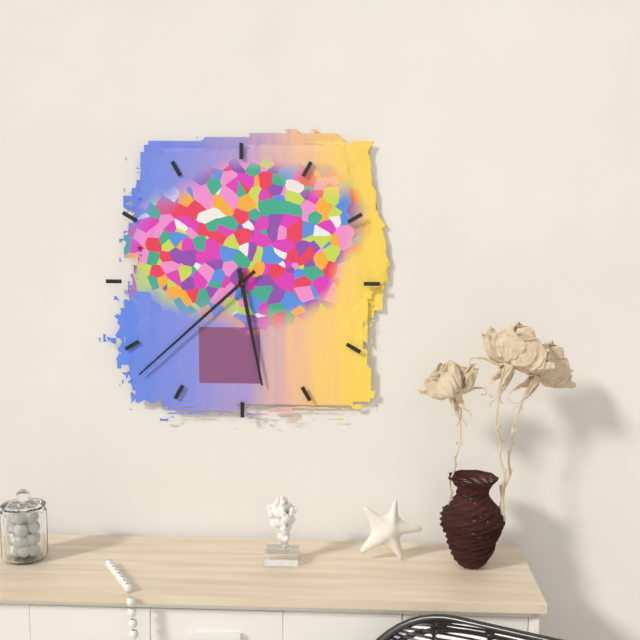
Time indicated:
5 h 38 min
